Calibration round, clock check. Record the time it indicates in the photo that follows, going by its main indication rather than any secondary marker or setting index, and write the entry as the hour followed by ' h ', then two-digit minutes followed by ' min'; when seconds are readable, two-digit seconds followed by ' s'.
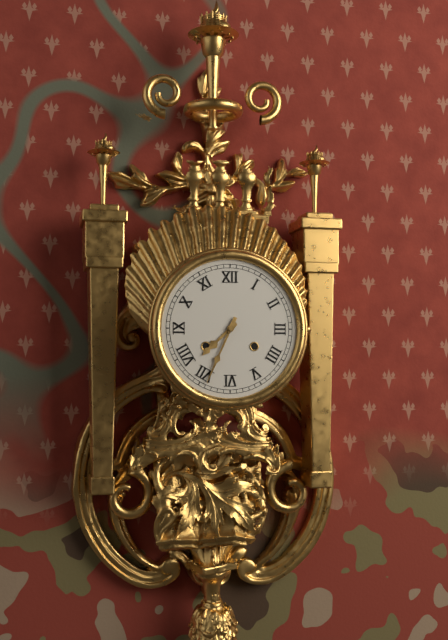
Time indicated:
7 h 34 min
